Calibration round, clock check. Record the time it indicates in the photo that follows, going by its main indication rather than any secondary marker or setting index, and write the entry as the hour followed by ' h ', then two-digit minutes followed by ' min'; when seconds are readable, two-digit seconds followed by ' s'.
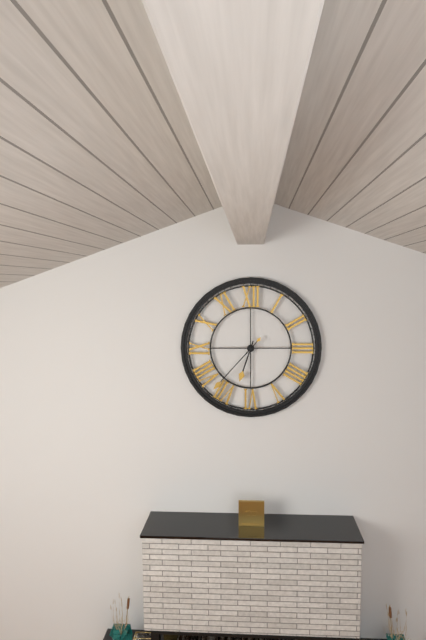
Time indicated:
6 h 37 min
